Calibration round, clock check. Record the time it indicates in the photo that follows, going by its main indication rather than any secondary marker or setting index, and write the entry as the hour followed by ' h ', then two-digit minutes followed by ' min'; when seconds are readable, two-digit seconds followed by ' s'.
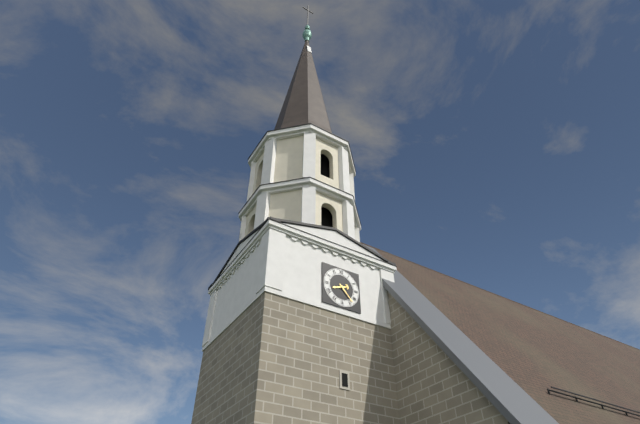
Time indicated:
8 h 23 min
